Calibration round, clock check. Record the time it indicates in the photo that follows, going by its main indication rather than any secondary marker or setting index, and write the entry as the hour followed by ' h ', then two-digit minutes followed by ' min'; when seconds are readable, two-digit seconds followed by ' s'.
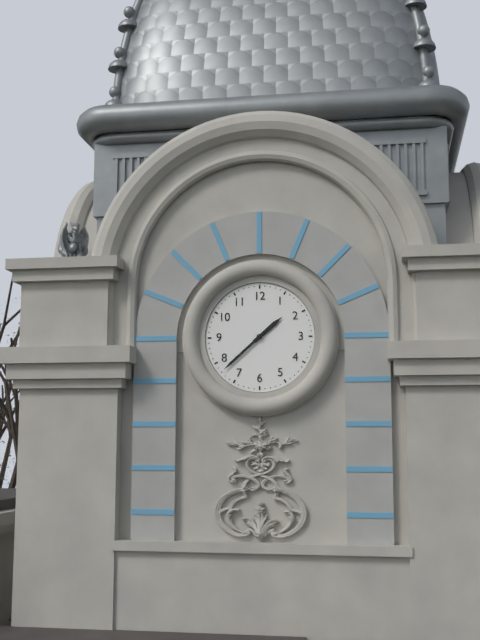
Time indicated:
1 h 38 min
